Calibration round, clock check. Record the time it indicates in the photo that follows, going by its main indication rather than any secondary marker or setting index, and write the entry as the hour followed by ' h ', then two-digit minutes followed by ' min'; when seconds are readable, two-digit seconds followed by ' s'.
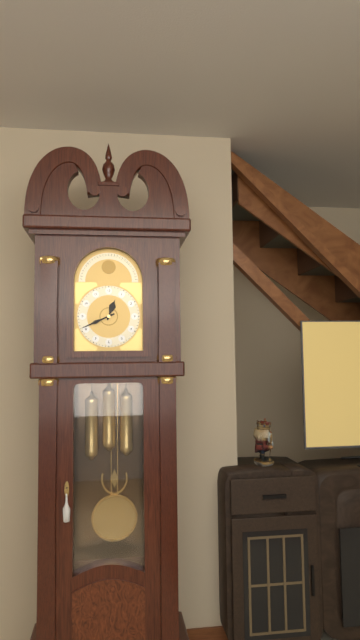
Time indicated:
12 h 41 min
